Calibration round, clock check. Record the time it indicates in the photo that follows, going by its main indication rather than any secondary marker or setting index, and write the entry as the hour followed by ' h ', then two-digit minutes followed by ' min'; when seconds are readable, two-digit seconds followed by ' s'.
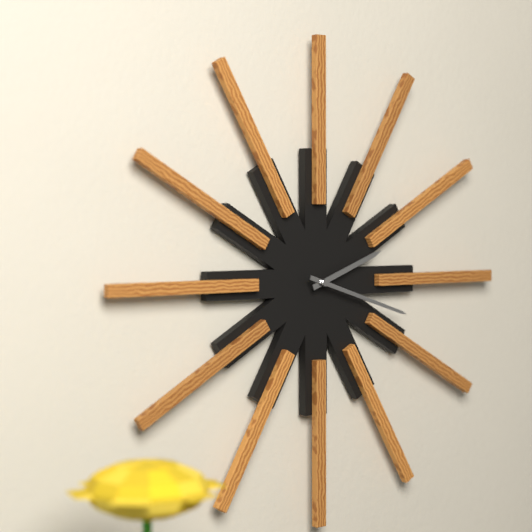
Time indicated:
2 h 18 min
